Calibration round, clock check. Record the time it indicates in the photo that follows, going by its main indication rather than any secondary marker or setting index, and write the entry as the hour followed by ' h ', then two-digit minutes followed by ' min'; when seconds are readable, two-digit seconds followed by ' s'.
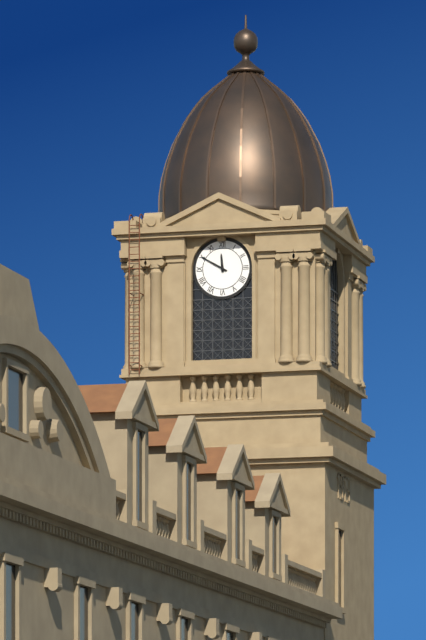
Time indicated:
11 h 50 min
